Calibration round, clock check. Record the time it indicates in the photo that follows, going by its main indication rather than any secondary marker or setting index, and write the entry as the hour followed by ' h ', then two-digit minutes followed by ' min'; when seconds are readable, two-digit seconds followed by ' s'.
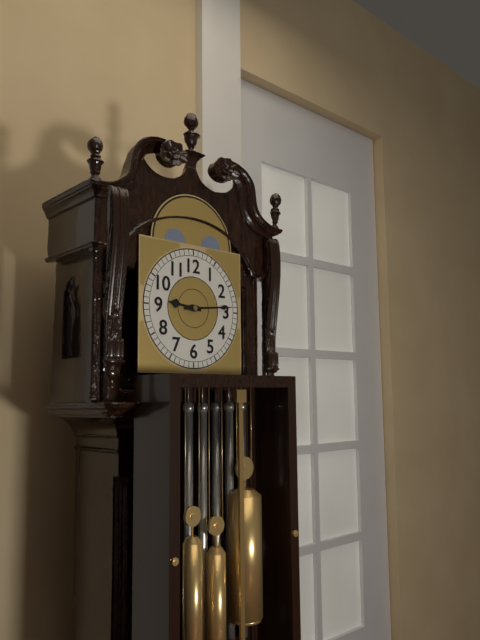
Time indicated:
9 h 14 min
